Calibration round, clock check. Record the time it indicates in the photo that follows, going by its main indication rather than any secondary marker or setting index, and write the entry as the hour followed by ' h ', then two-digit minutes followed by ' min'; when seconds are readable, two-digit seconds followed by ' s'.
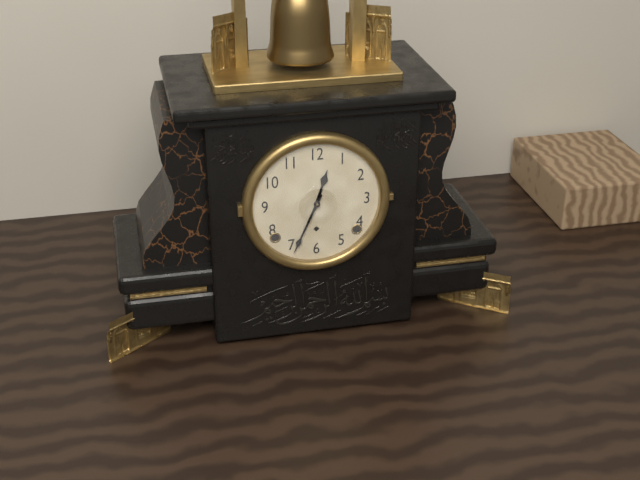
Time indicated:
12 h 34 min
